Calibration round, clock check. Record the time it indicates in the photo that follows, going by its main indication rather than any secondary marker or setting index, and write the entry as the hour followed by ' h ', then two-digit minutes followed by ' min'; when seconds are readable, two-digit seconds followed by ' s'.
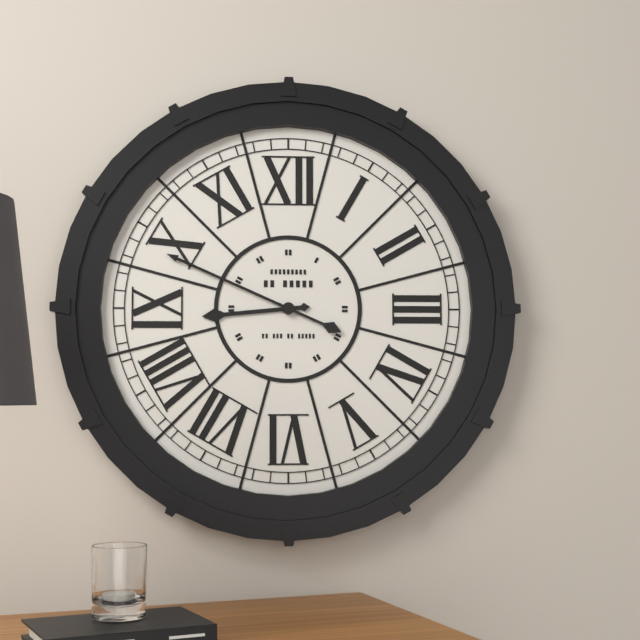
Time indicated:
8 h 49 min
